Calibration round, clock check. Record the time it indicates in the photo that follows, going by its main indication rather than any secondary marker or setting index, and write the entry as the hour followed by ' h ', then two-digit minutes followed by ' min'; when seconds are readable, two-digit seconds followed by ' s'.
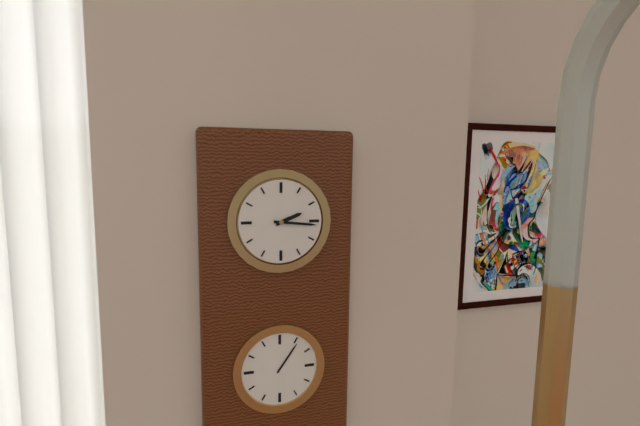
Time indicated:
2 h 16 min
